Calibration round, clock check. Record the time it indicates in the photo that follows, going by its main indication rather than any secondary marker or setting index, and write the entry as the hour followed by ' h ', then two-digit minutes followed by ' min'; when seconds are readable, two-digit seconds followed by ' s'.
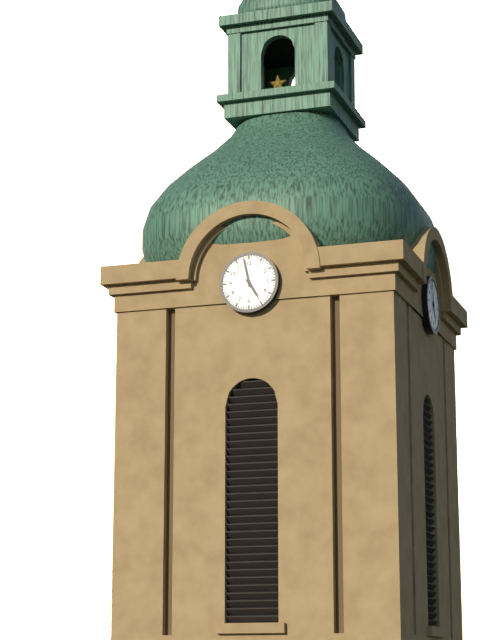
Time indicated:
4 h 58 min
